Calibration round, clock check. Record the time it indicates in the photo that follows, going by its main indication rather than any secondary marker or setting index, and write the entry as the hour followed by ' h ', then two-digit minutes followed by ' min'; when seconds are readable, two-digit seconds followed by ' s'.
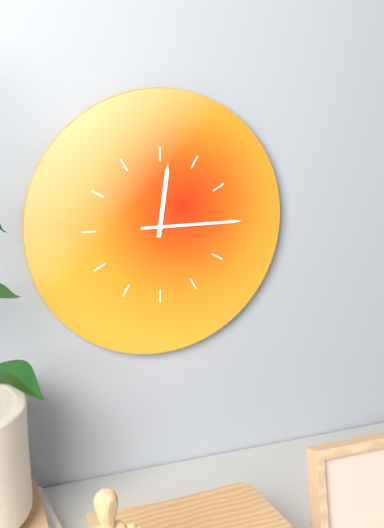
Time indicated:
12 h 15 min
